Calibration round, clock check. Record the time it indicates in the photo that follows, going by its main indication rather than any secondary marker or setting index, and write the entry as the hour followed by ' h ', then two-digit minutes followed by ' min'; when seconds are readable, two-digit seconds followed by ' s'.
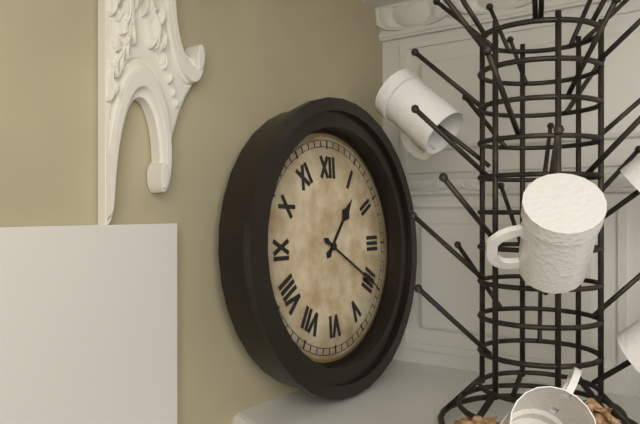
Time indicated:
1 h 20 min
